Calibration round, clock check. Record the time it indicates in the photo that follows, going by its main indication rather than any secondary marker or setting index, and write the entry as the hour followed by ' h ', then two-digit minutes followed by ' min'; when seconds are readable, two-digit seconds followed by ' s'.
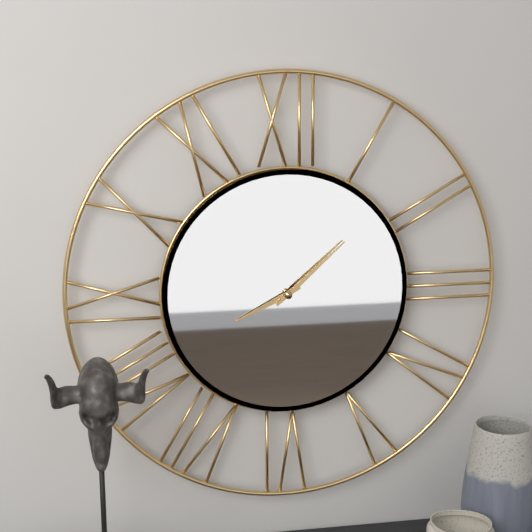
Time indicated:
8 h 08 min
